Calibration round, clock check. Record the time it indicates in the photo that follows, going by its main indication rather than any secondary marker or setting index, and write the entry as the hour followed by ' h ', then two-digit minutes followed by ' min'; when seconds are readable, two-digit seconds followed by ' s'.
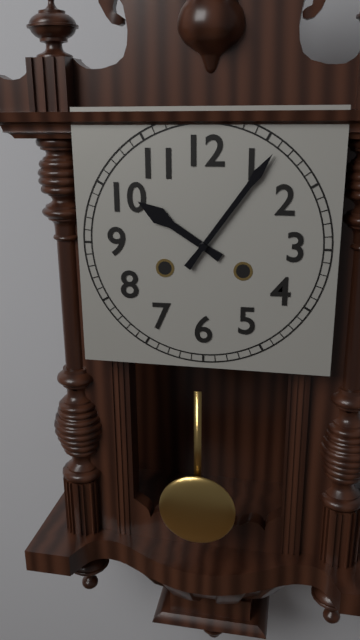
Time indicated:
10 h 06 min
